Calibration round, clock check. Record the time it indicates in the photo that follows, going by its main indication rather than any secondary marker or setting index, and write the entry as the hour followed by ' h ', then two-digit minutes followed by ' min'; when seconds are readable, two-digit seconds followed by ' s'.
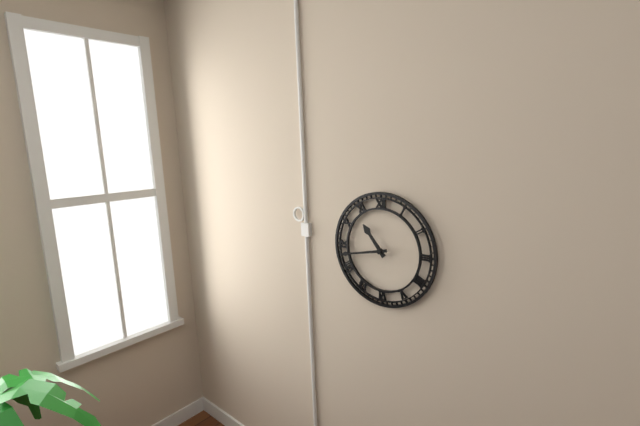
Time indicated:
10 h 43 min
